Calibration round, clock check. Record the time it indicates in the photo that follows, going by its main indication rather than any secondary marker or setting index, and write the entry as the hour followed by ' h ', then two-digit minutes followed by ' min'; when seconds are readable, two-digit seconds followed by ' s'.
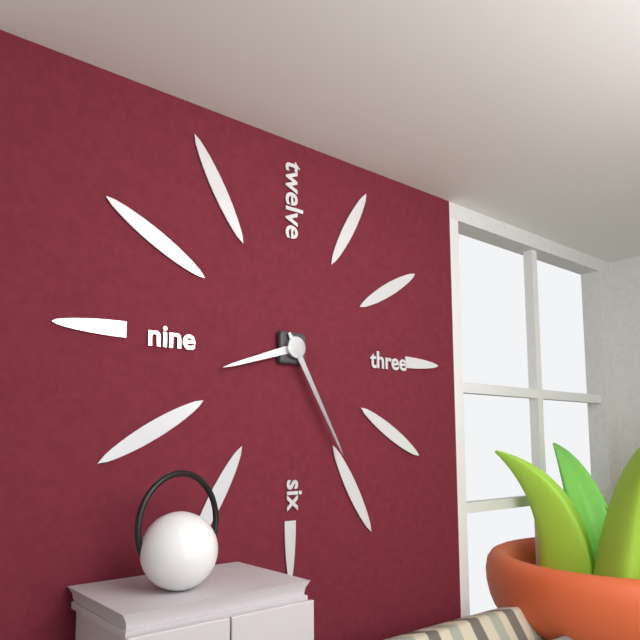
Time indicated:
8 h 25 min
